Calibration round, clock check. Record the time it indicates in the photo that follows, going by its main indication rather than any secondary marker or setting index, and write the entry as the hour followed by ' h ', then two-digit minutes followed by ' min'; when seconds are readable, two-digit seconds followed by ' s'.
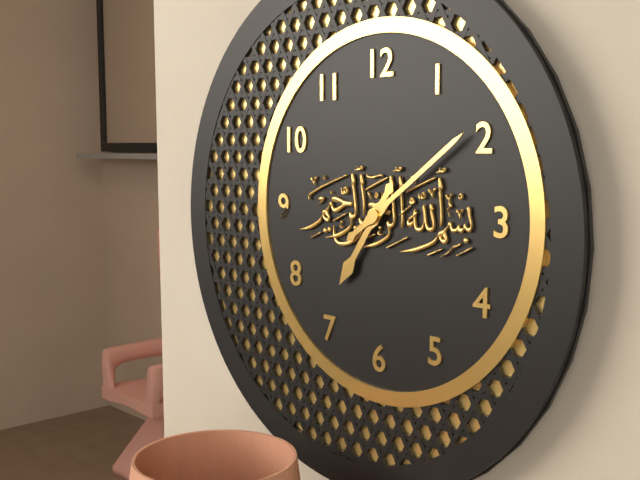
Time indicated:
7 h 09 min
